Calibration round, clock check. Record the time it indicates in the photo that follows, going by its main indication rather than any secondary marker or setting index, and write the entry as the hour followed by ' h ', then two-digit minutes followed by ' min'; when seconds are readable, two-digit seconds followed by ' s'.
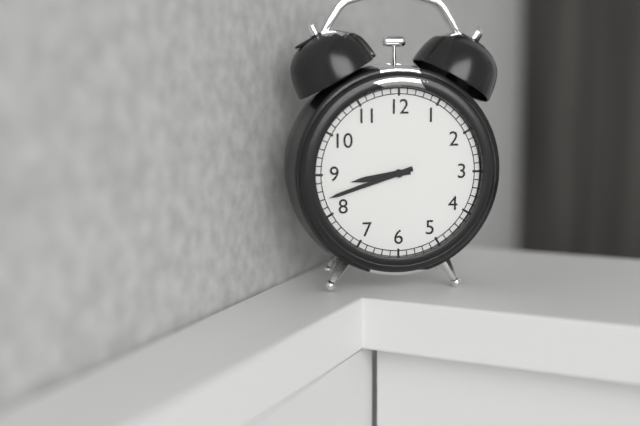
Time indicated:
8 h 42 min
